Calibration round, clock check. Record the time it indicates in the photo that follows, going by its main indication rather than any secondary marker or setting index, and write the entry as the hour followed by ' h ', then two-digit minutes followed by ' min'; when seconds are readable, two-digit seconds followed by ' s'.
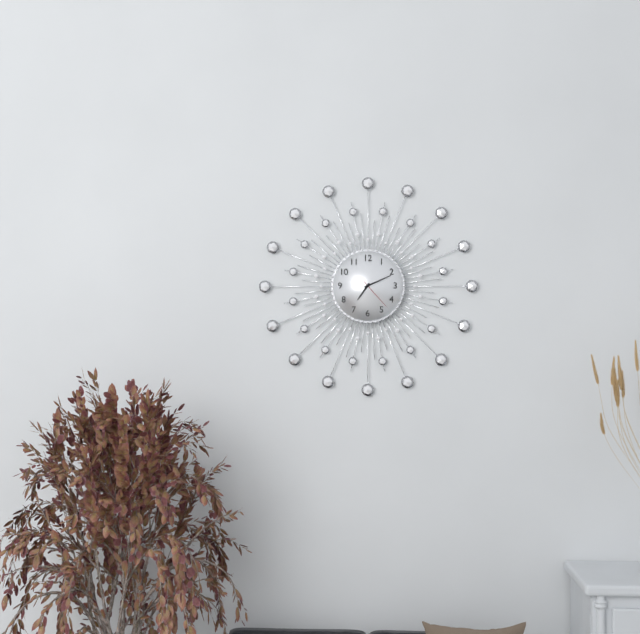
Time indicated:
7 h 11 min
